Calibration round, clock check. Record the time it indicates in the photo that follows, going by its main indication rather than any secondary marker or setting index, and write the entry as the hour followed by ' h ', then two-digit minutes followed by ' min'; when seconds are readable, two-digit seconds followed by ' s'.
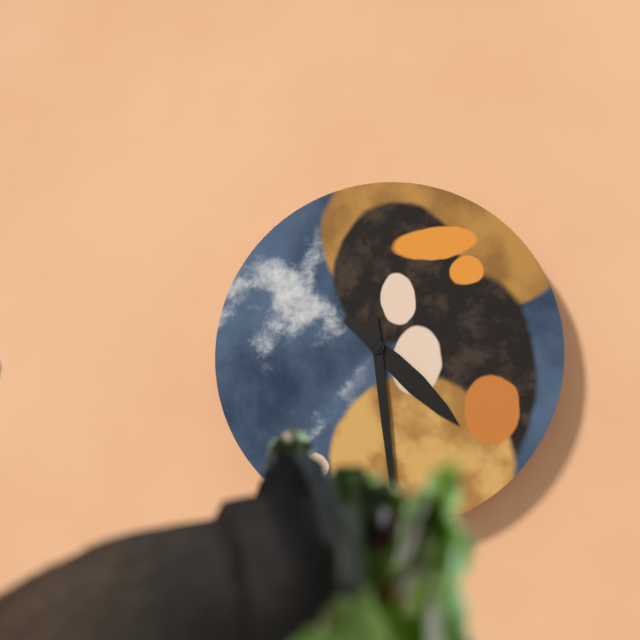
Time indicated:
4 h 29 min
